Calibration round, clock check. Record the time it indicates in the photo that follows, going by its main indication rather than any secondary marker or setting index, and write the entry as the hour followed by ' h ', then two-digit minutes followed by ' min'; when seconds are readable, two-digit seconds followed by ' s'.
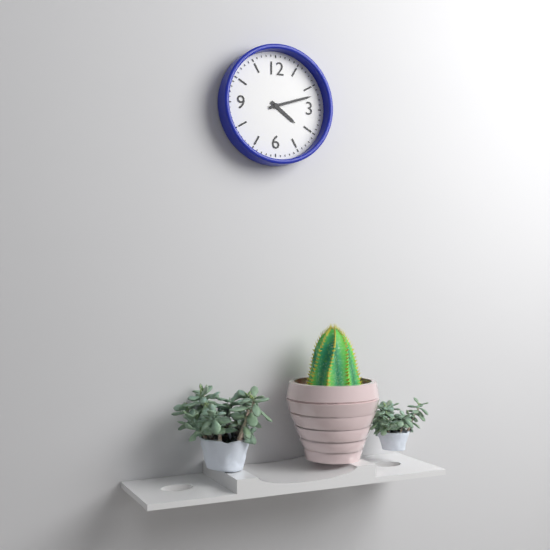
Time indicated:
4 h 12 min
